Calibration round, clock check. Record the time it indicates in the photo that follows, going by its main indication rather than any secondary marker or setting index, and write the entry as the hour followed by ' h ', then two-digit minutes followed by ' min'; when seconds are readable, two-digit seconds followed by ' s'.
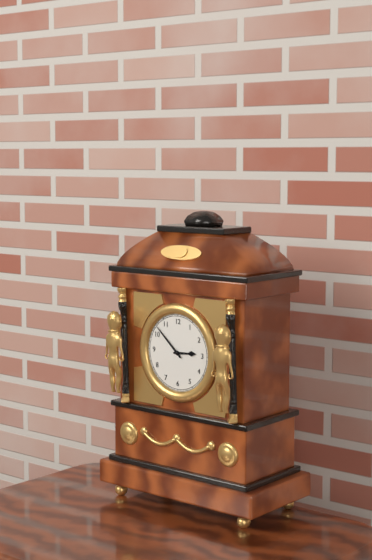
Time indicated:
2 h 52 min
